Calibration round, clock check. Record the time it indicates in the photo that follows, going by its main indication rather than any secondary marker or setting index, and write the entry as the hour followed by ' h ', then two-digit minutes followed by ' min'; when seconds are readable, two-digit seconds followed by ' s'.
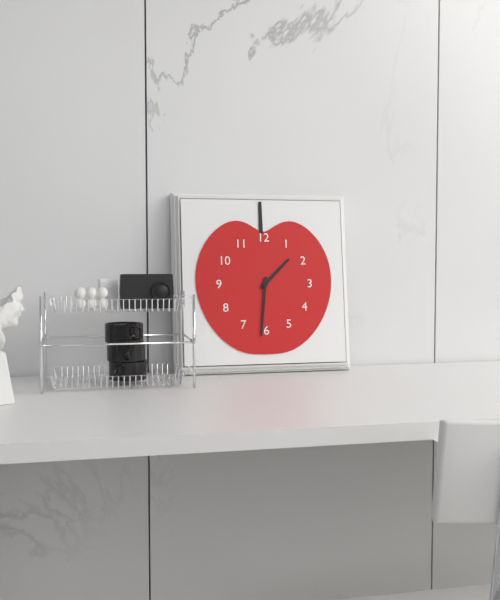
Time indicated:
1 h 31 min
